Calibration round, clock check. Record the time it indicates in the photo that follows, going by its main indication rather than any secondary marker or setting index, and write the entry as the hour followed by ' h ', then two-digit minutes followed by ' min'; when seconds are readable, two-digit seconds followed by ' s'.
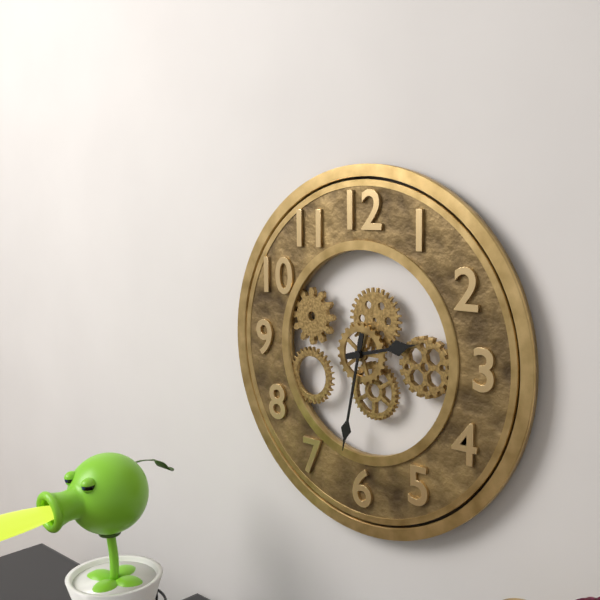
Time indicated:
2 h 32 min
